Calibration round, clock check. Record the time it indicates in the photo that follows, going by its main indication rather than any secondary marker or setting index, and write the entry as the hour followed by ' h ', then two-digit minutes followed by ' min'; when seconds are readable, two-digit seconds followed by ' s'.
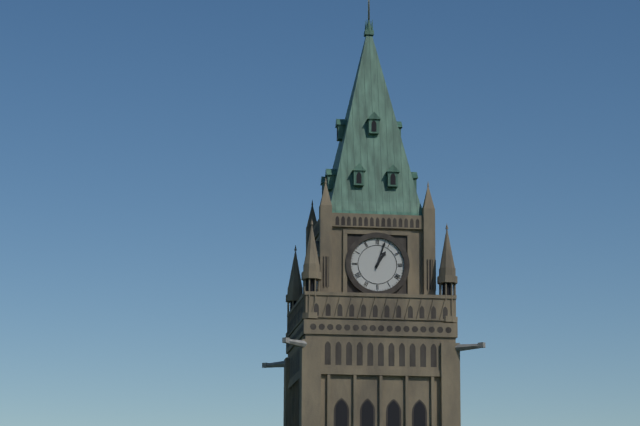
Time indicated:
1 h 03 min
